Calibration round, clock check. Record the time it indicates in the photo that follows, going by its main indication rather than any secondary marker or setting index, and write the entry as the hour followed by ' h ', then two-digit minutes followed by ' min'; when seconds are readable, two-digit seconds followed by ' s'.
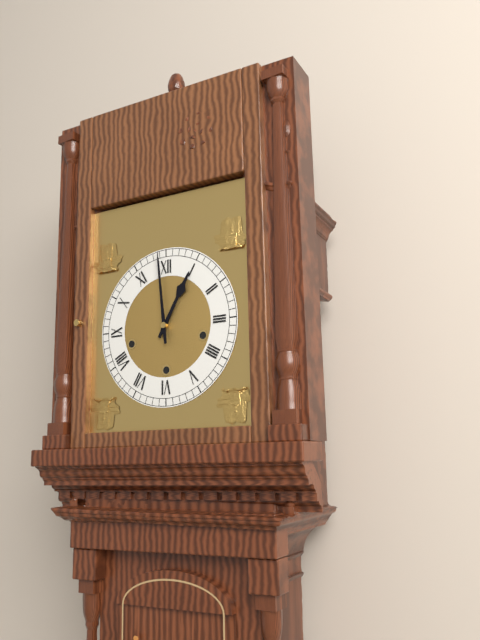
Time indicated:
12 h 59 min
